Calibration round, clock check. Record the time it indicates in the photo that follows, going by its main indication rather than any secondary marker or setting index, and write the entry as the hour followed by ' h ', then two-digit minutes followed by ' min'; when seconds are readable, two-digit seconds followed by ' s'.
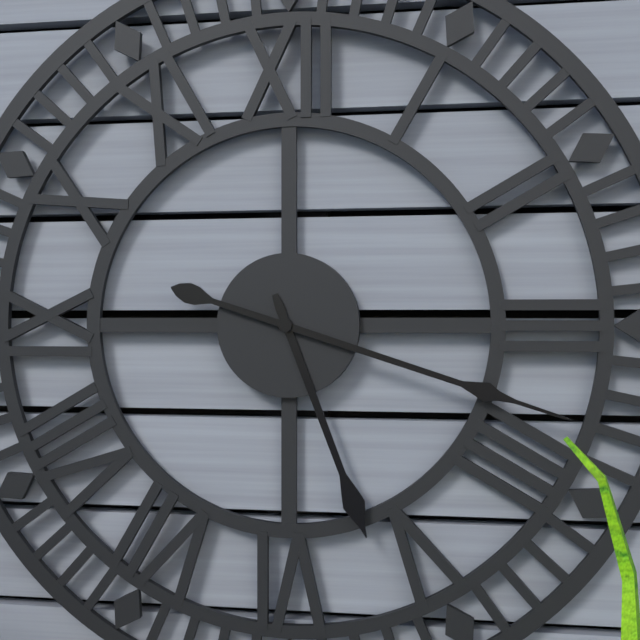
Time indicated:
5 h 18 min
